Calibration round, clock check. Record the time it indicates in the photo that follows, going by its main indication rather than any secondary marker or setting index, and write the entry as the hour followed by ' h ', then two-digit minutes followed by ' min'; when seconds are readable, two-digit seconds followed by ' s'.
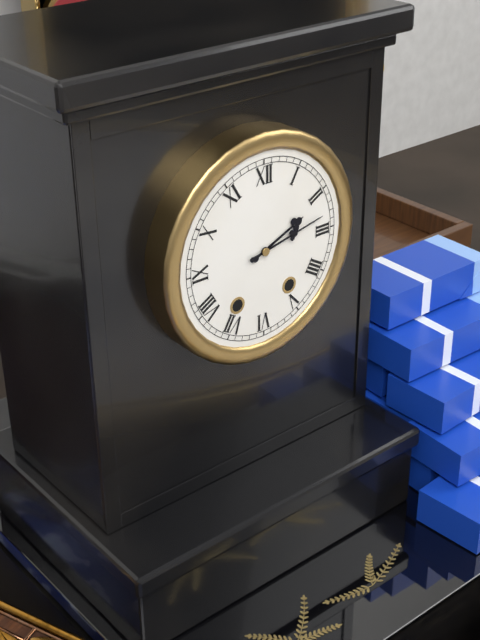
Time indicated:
2 h 13 min
